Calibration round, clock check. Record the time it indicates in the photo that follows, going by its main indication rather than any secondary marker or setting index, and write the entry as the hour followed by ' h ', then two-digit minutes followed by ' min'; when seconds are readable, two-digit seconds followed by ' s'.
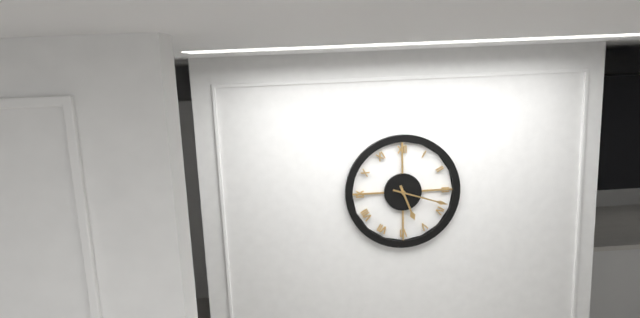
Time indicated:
5 h 18 min
